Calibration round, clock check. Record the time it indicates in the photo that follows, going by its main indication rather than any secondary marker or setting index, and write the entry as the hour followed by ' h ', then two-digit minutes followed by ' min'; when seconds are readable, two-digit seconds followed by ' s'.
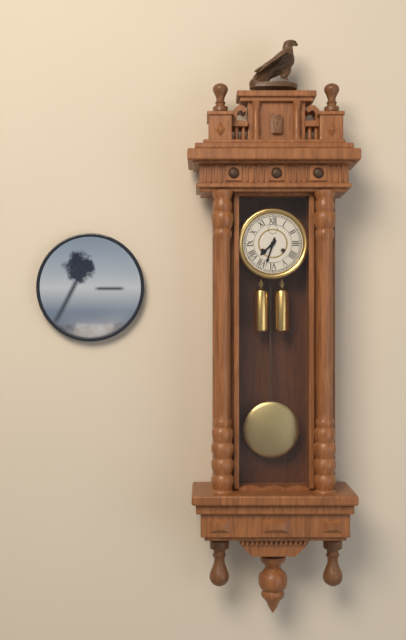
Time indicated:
7 h 33 min
